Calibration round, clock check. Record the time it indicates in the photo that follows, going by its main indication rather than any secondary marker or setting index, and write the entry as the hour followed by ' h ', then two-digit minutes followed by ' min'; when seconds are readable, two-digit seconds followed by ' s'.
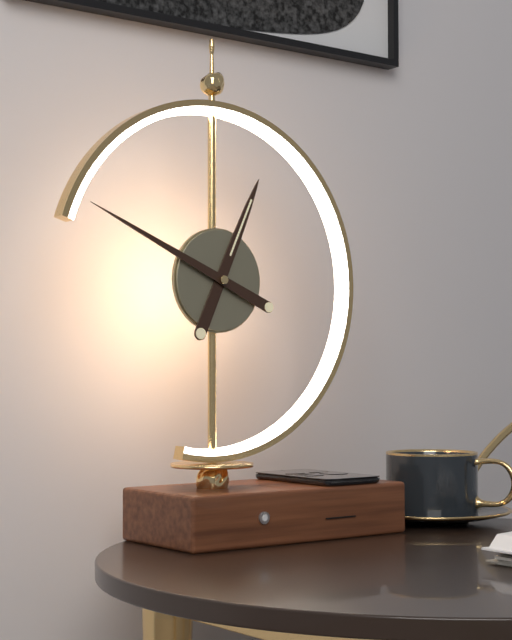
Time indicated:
12 h 49 min
